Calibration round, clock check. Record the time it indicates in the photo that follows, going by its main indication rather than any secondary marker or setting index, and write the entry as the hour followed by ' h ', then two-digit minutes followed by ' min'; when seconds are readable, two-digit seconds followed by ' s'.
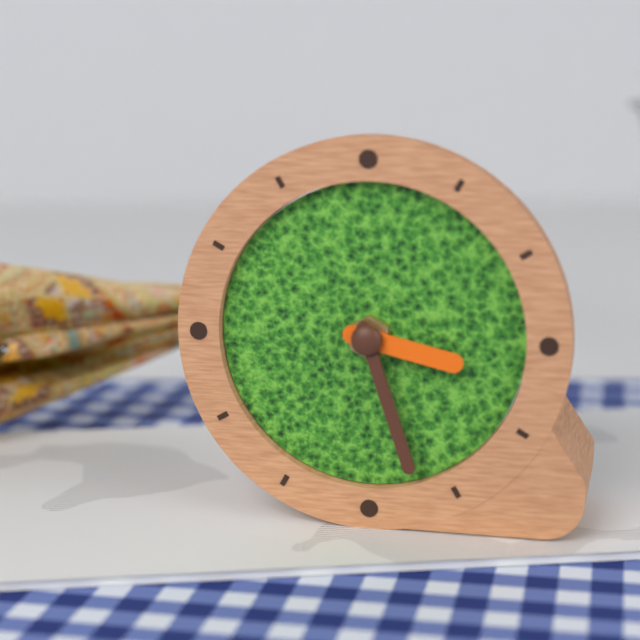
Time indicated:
3 h 27 min
